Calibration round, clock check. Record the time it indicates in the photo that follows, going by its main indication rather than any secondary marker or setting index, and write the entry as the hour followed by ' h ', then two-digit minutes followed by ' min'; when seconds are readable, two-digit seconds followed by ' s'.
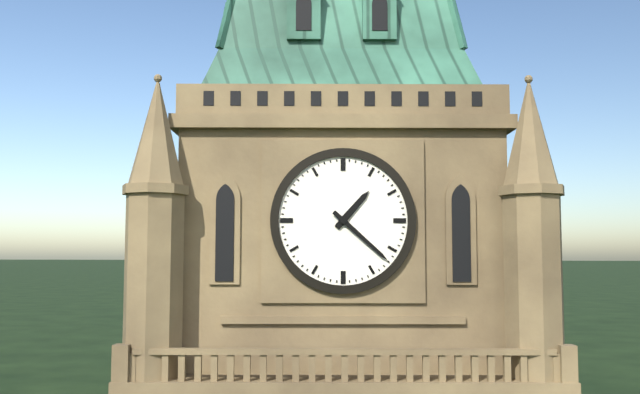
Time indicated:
1 h 22 min
